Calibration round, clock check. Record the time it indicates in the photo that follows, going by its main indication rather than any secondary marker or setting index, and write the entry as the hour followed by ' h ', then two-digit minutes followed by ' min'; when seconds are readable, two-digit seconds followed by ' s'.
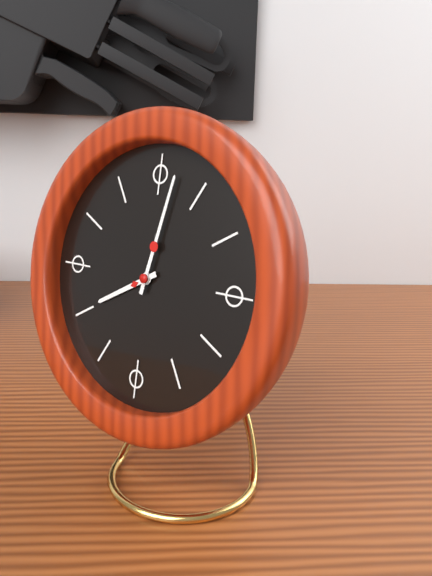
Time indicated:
8 h 02 min
